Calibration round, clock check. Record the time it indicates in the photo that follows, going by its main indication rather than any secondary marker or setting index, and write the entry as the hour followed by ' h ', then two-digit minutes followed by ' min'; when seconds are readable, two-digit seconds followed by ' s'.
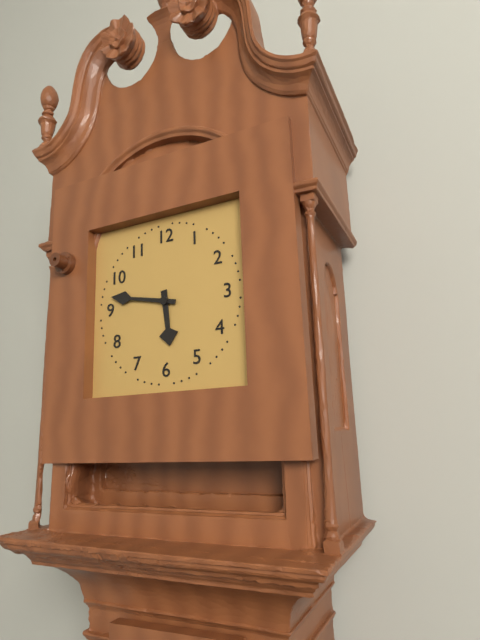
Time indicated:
5 h 47 min
